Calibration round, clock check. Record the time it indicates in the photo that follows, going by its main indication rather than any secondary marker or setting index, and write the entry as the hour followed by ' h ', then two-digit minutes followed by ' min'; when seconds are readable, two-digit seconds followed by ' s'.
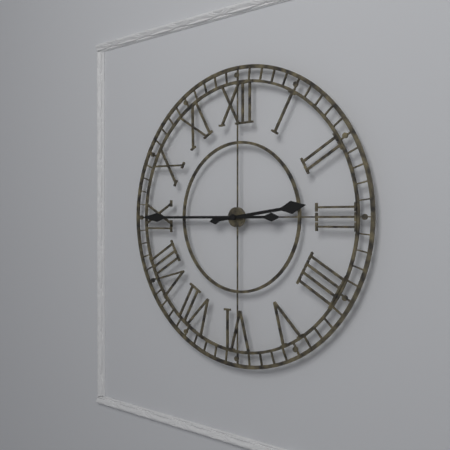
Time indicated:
2 h 45 min
